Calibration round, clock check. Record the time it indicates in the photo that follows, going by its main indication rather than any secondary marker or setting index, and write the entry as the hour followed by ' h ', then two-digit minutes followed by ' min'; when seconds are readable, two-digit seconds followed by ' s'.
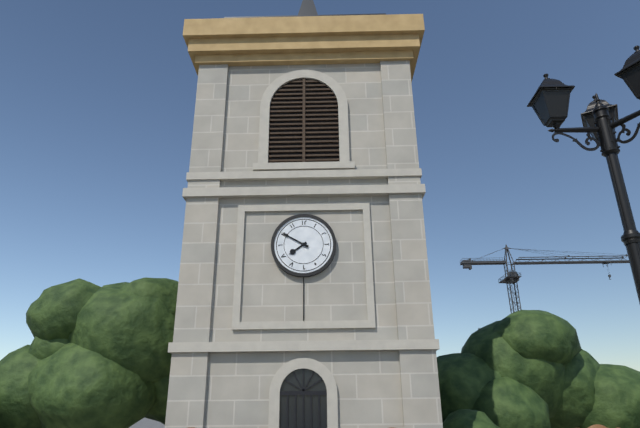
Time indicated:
7 h 50 min
